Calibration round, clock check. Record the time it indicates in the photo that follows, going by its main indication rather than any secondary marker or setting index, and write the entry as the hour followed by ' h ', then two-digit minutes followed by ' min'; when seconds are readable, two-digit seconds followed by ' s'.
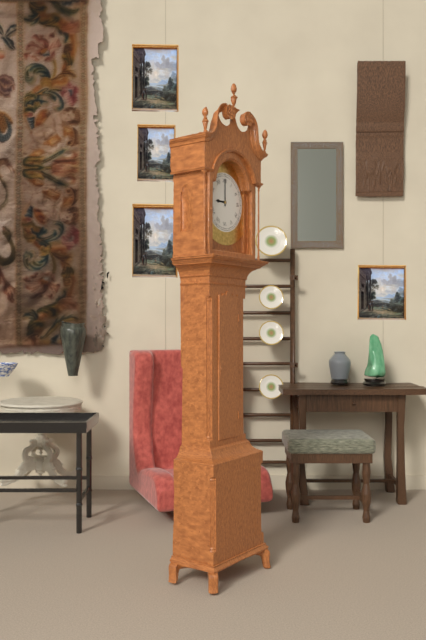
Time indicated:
9 h 00 min
